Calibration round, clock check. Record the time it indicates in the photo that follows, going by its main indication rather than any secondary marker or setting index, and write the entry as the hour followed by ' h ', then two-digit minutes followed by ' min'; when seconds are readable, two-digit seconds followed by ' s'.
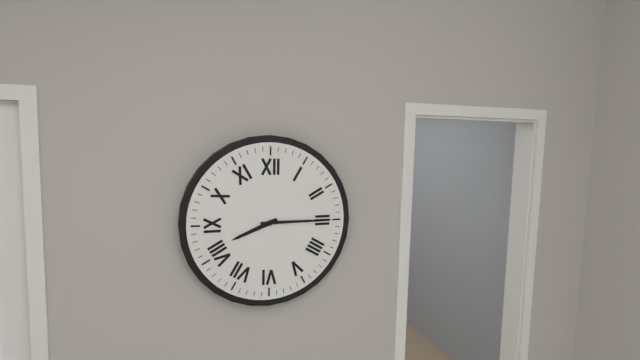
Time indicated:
8 h 15 min
